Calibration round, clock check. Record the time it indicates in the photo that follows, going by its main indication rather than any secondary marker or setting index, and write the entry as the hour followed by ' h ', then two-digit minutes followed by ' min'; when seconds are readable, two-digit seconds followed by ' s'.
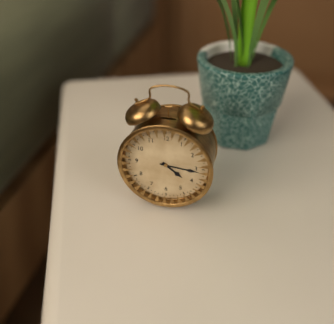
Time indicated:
4 h 16 min
